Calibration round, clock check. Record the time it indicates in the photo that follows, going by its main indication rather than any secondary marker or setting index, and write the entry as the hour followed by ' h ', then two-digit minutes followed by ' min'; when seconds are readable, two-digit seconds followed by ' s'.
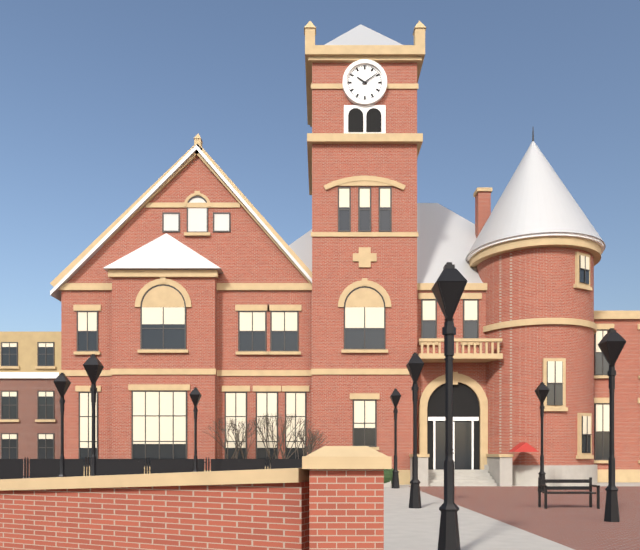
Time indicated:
10 h 09 min
